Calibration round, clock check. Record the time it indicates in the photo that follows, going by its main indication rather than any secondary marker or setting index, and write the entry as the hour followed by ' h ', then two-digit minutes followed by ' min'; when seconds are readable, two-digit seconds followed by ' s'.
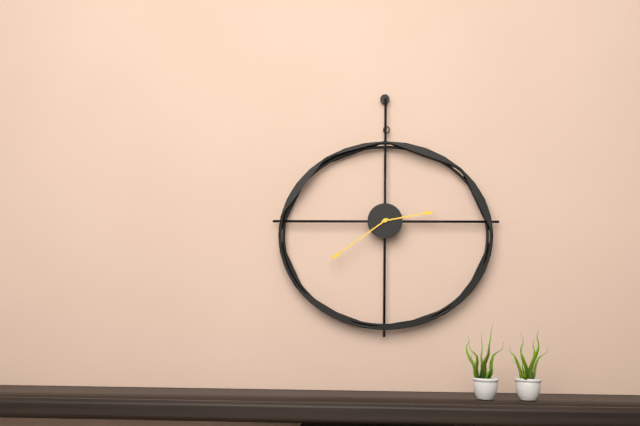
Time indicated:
2 h 39 min
